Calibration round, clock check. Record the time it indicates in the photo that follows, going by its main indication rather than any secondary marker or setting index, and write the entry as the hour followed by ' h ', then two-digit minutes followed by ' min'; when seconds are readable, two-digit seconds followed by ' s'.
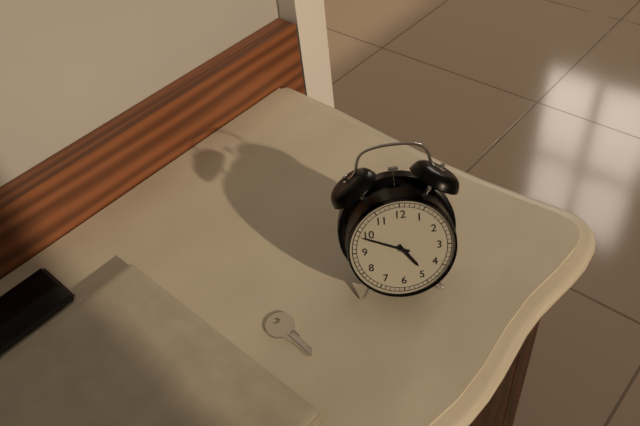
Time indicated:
4 h 49 min
